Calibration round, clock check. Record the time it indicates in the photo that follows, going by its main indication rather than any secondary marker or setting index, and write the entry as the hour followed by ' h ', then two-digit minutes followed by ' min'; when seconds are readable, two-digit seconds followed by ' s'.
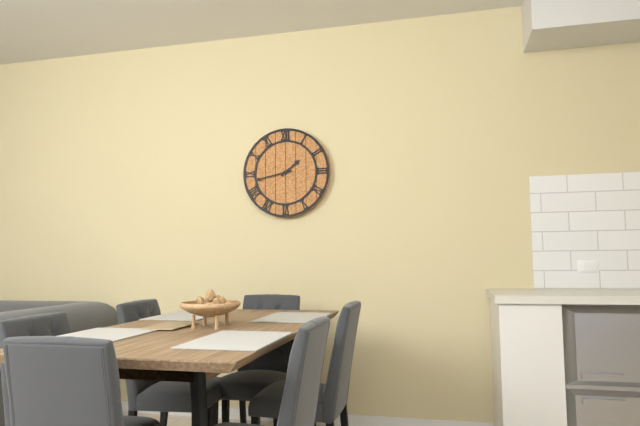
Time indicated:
1 h 43 min
